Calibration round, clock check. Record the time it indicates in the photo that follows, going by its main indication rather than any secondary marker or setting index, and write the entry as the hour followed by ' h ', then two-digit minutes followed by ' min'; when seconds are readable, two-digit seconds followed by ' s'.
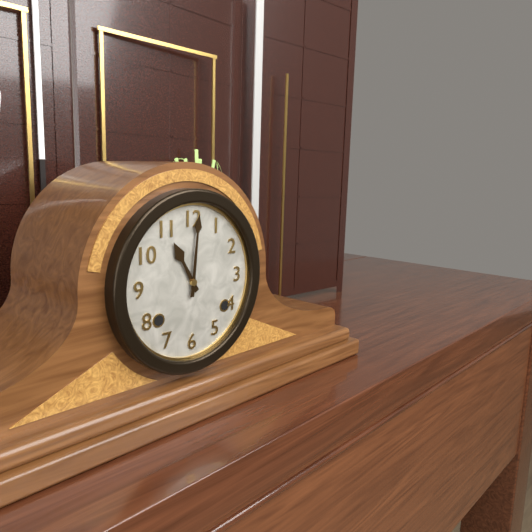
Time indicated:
11 h 01 min
